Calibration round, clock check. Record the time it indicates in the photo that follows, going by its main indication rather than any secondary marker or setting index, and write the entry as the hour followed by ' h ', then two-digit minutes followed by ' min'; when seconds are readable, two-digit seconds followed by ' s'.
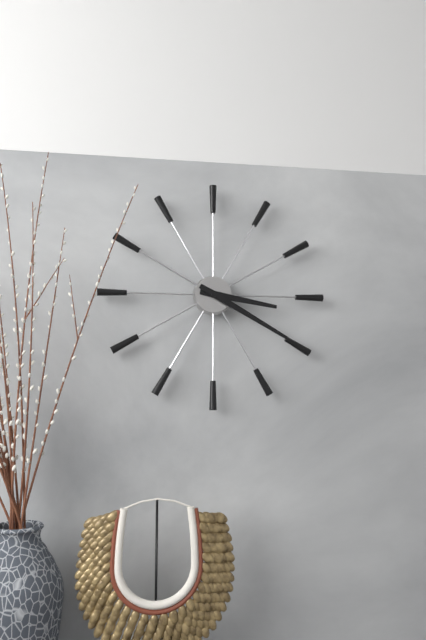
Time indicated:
3 h 20 min
